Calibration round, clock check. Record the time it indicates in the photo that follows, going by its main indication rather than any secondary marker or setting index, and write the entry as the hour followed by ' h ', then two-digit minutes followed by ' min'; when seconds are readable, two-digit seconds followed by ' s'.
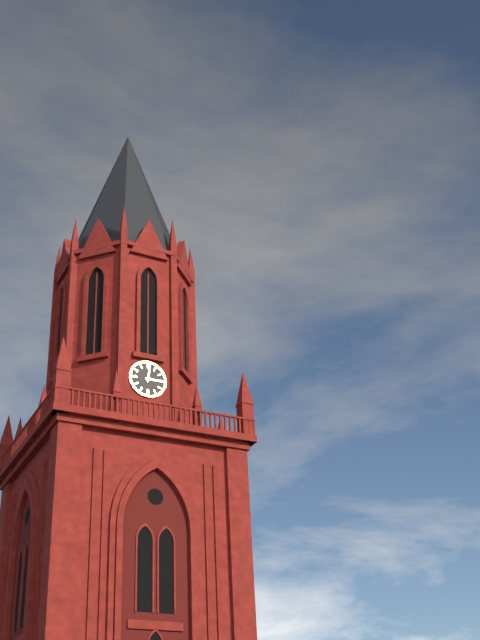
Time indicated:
3 h 01 min
